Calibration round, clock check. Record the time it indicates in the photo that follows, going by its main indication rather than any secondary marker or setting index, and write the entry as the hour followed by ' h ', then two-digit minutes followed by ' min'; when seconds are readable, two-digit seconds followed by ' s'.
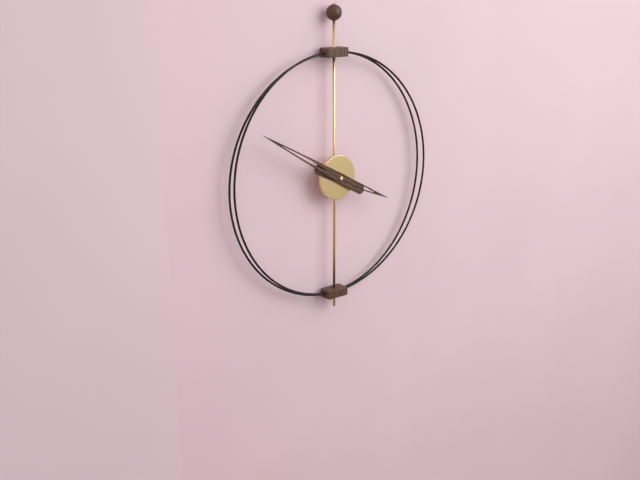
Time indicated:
3 h 50 min
